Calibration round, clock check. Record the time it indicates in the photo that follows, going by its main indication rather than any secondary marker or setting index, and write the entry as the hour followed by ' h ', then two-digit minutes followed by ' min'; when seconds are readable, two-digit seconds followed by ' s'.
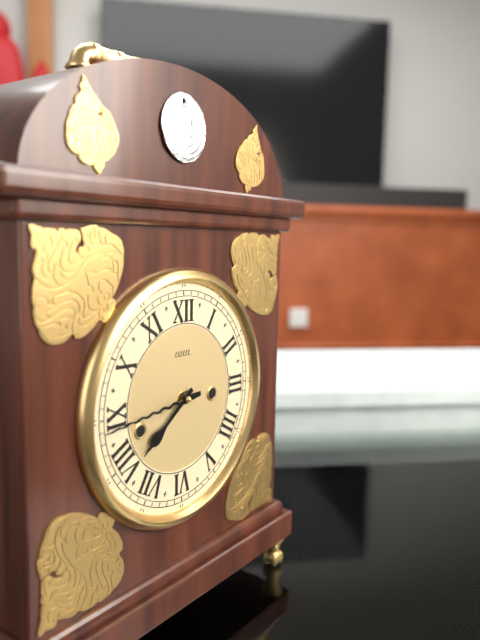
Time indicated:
7 h 44 min
